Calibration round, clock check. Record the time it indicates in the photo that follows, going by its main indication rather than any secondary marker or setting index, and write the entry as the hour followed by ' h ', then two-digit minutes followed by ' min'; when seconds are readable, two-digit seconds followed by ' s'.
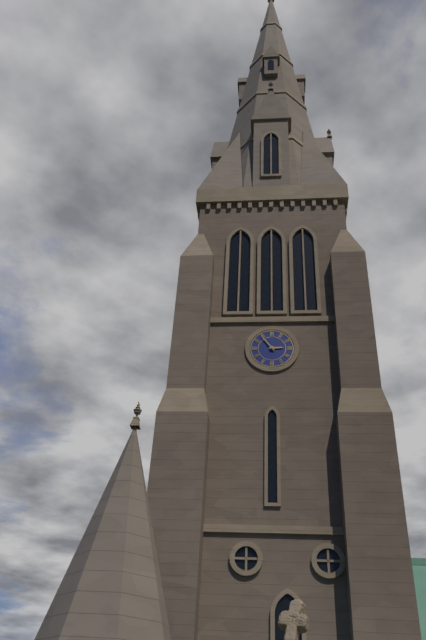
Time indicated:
2 h 54 min
